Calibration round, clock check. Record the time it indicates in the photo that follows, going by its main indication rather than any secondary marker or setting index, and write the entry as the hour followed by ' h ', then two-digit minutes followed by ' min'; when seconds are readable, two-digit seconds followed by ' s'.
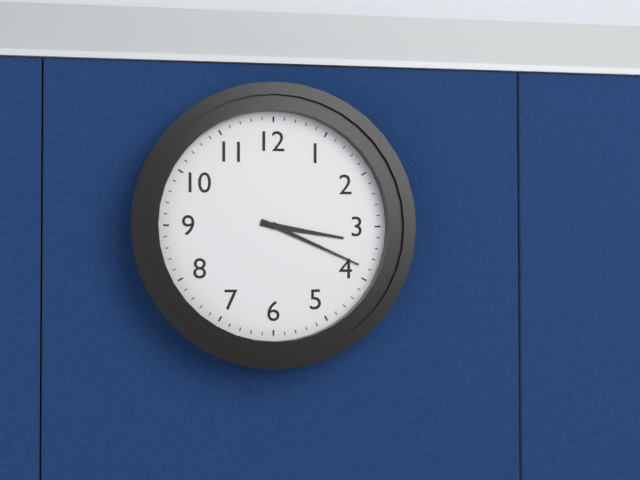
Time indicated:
3 h 19 min
